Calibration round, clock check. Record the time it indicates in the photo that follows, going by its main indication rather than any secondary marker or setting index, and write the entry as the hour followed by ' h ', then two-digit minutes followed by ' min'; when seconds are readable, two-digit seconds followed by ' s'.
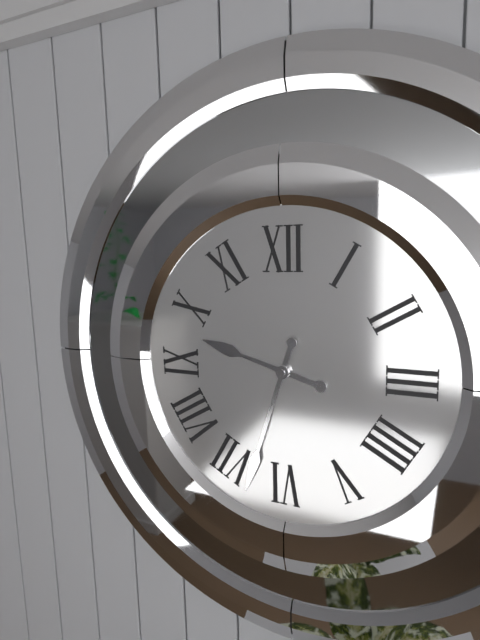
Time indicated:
9 h 33 min
